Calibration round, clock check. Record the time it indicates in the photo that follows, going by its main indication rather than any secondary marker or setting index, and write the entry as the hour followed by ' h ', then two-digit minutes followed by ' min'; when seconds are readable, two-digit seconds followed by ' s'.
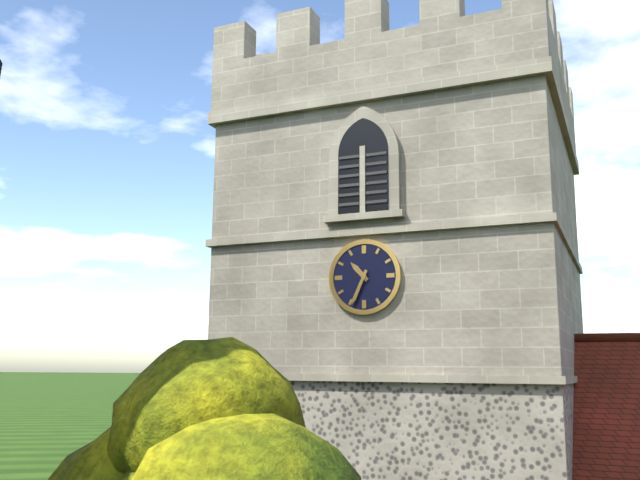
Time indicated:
10 h 34 min
